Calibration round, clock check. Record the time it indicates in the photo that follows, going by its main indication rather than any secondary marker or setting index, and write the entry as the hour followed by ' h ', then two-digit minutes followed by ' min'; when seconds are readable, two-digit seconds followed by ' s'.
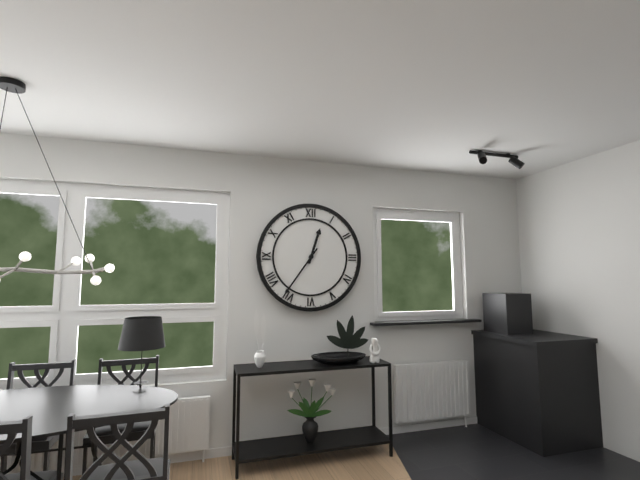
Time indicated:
12 h 36 min
